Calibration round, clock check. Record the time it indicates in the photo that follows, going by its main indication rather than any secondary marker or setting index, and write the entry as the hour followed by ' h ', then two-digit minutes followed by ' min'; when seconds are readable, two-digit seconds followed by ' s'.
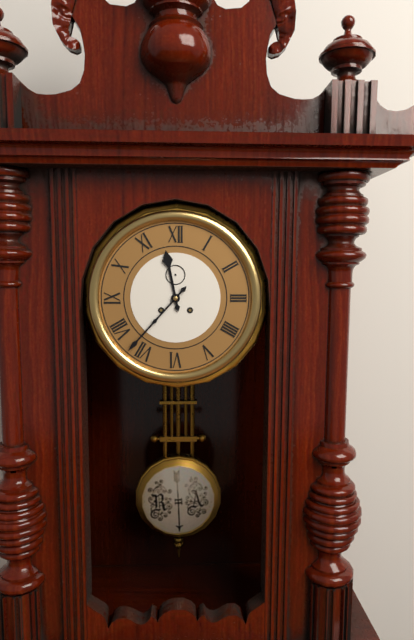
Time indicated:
11 h 37 min
